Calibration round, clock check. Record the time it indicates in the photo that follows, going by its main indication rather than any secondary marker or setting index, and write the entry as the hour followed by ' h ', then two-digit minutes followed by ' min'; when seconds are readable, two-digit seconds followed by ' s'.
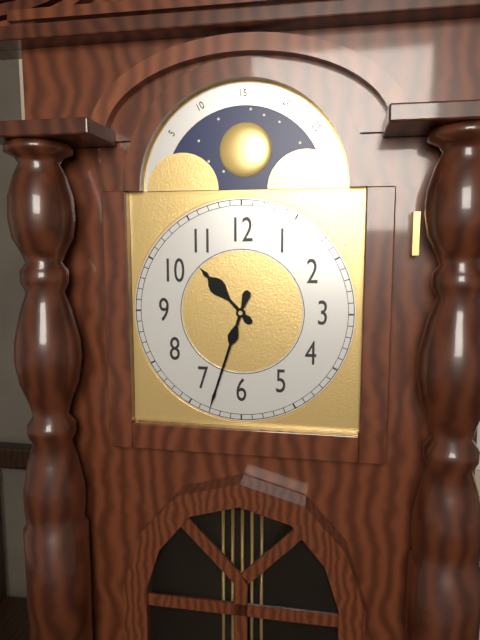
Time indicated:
10 h 33 min
